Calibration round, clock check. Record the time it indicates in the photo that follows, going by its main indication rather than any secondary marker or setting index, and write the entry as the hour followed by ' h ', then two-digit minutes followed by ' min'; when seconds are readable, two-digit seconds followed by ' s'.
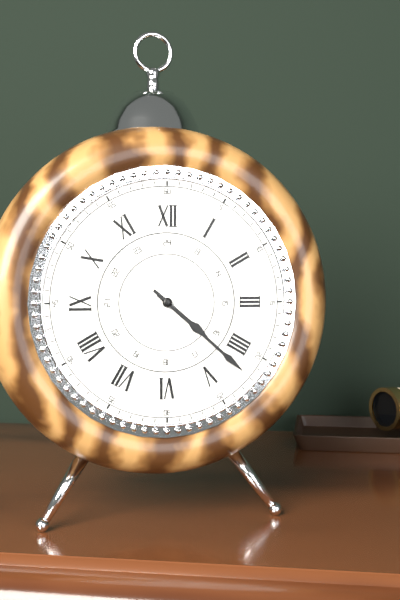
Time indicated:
4 h 22 min
